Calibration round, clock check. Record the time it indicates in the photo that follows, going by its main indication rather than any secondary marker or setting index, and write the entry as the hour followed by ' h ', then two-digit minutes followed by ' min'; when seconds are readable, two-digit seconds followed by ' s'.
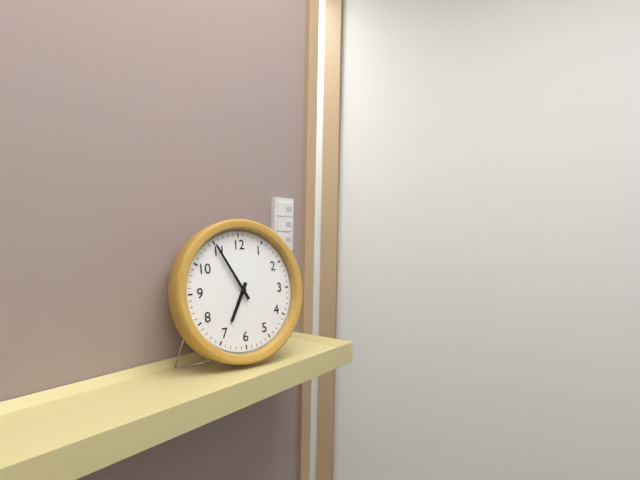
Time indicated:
6 h 55 min
